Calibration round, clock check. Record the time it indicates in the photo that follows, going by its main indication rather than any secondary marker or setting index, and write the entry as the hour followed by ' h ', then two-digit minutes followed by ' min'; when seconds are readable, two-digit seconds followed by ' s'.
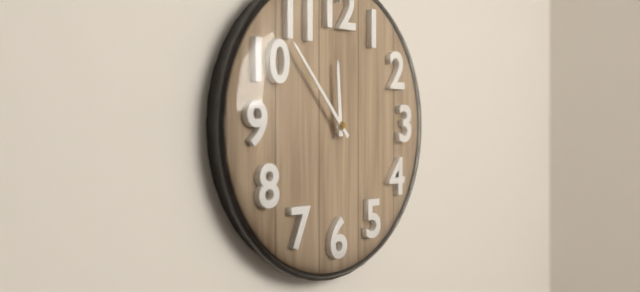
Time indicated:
11 h 53 min
